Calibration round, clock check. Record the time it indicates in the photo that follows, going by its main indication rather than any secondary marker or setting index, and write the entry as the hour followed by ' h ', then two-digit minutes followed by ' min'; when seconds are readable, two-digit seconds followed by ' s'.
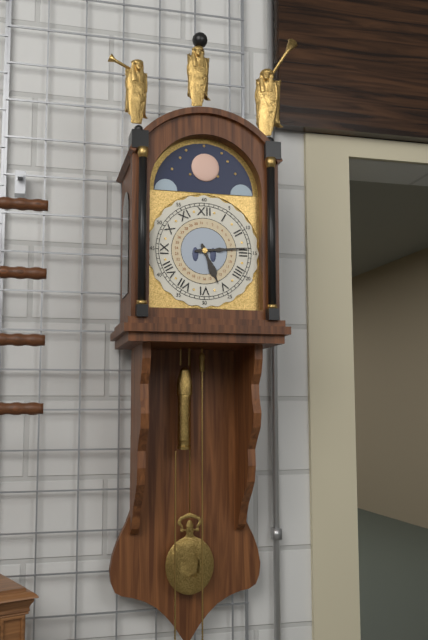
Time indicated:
5 h 14 min
